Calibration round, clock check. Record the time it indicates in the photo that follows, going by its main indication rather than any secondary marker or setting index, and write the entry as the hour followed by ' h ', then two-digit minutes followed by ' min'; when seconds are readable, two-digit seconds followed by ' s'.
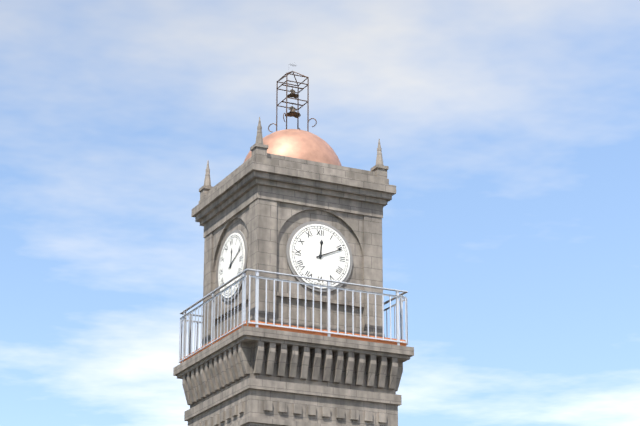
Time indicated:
12 h 11 min
